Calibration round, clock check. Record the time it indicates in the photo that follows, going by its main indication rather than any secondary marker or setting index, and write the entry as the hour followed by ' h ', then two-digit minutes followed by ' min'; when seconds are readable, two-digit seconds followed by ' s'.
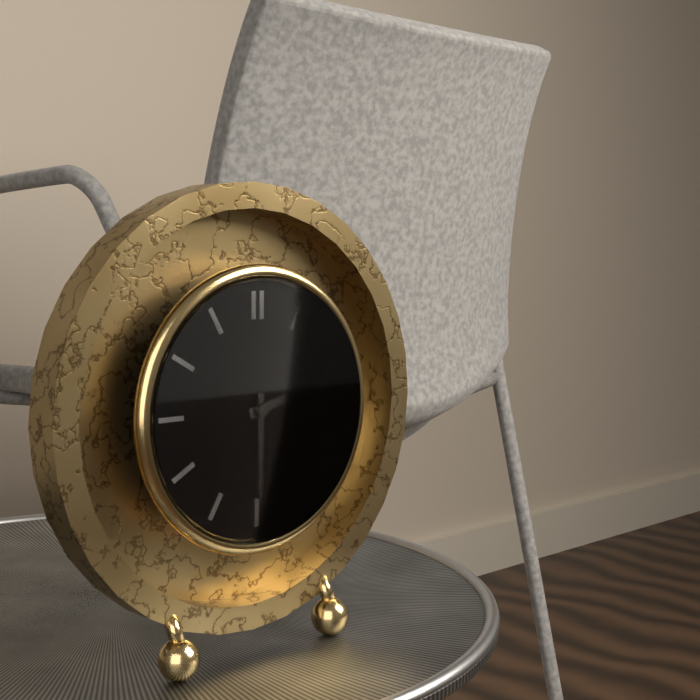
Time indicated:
2 h 30 min
